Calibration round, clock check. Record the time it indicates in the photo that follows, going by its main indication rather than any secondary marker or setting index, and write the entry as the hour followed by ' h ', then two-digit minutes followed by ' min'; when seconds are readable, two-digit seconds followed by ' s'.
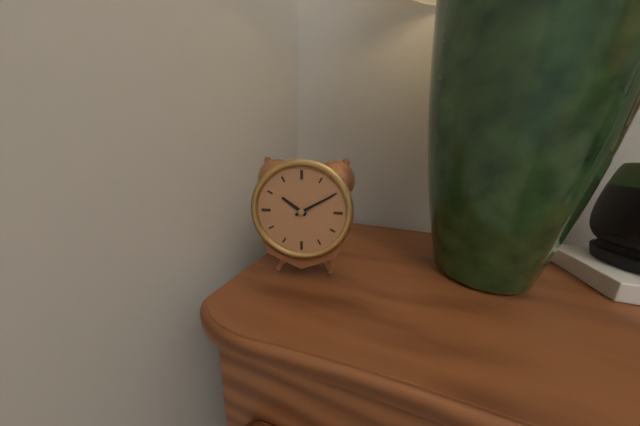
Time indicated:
10 h 10 min
